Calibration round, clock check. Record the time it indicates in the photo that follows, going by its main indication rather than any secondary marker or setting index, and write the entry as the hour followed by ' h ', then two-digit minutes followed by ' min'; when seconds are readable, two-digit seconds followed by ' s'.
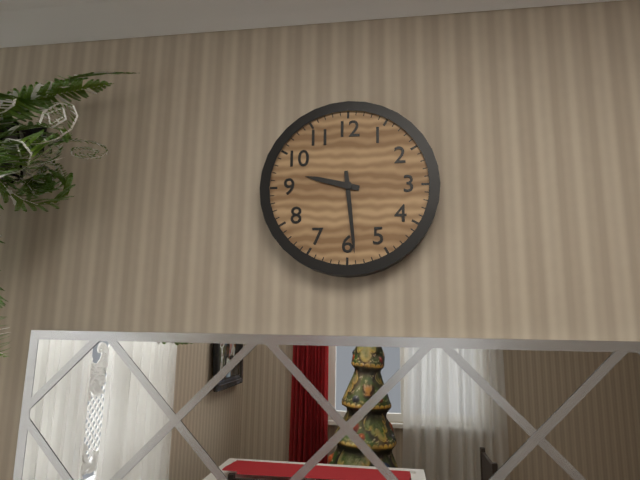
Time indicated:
9 h 29 min
